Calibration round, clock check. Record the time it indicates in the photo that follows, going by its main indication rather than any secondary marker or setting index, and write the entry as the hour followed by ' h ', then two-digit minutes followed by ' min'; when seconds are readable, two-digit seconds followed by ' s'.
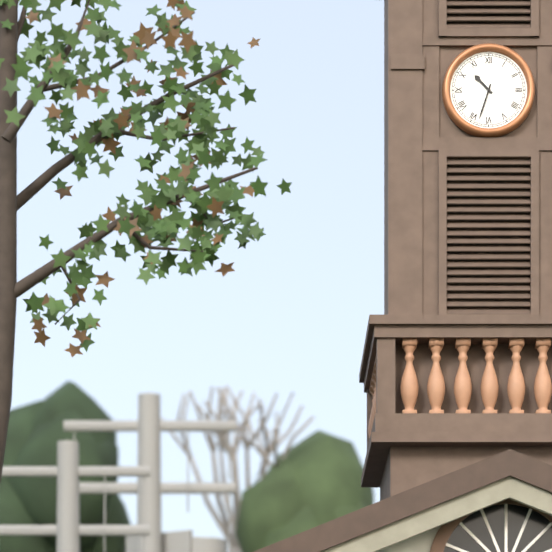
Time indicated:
10 h 33 min
